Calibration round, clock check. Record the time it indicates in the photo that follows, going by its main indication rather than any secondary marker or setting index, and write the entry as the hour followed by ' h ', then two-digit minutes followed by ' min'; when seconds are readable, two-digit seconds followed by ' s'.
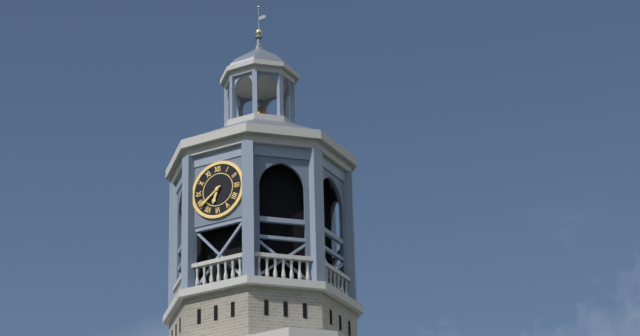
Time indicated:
6 h 39 min
